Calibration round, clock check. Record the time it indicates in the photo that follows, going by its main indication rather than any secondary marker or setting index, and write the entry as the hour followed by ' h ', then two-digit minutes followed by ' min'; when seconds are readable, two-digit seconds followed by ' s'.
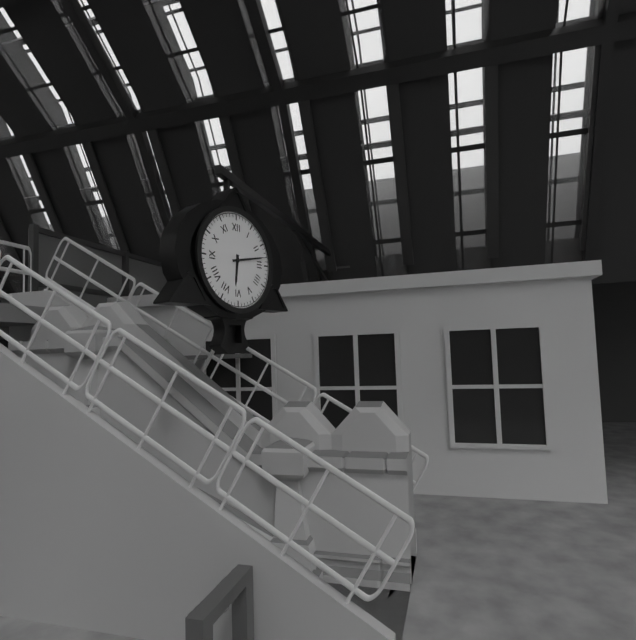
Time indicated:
6 h 13 min
